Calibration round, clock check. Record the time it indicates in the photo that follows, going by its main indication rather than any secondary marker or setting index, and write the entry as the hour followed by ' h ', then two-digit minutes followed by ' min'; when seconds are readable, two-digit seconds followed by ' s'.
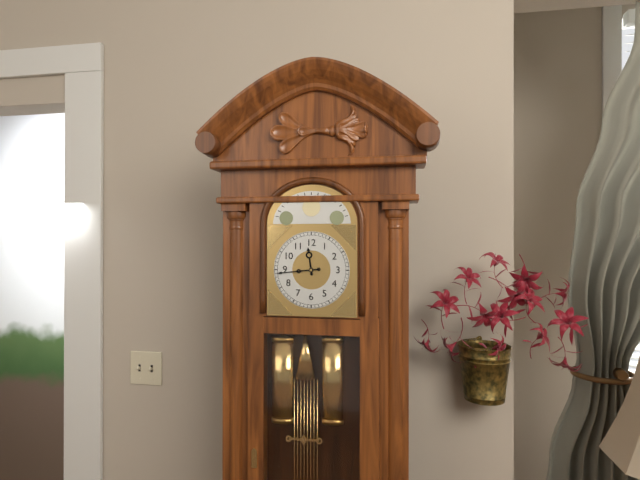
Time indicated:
11 h 44 min
